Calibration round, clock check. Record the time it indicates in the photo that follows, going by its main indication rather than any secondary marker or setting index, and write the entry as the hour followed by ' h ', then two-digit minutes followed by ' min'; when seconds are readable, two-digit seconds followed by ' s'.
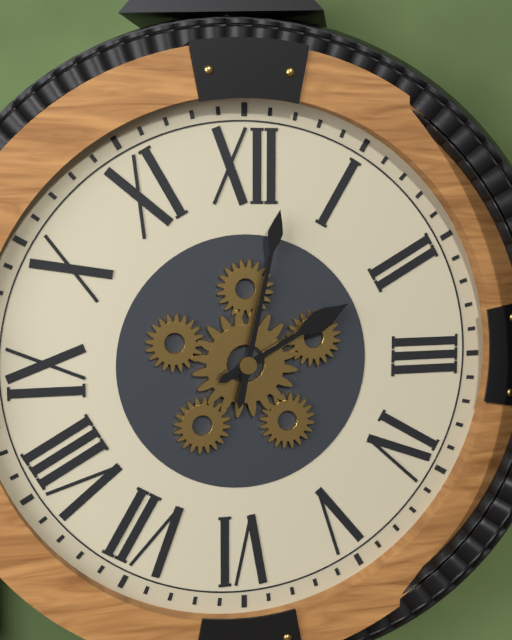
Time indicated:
2 h 02 min
